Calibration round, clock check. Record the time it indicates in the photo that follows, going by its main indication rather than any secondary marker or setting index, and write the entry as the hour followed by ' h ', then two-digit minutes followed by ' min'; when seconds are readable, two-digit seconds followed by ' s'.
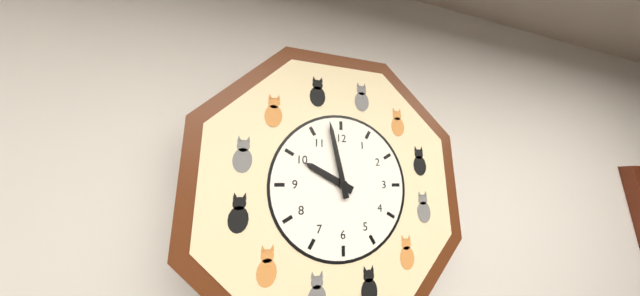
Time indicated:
9 h 58 min
